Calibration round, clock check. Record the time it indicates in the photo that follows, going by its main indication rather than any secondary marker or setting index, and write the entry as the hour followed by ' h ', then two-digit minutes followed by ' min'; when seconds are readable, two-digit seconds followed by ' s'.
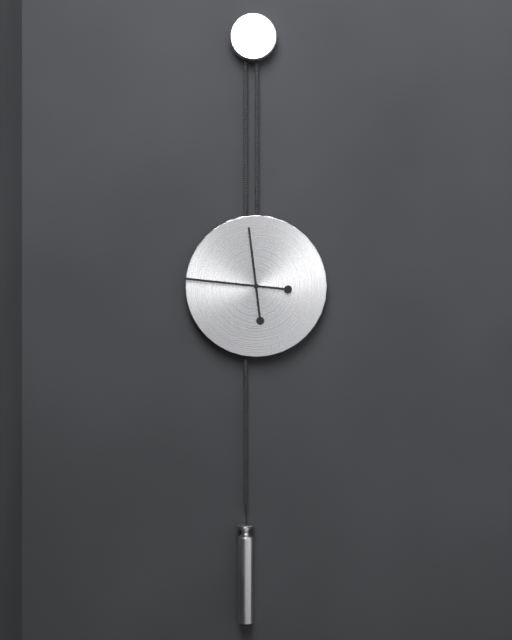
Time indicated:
11 h 46 min
